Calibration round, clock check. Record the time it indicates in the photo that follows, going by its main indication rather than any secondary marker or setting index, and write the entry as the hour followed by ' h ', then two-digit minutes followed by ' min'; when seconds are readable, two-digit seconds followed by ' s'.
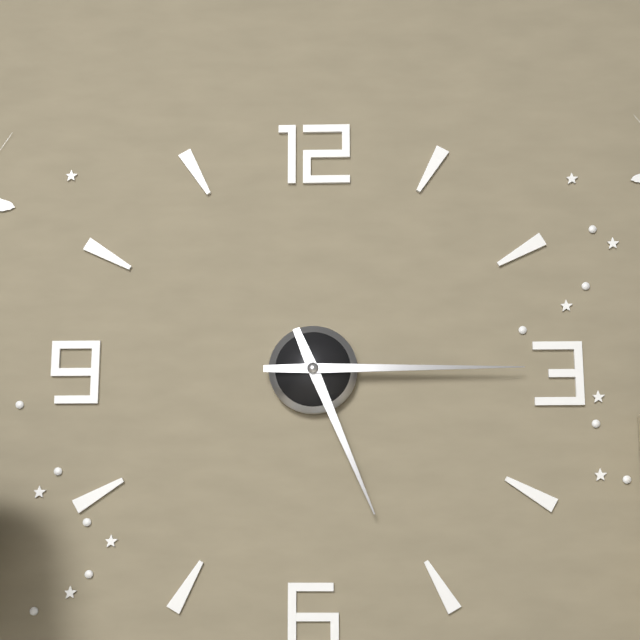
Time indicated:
5 h 15 min
